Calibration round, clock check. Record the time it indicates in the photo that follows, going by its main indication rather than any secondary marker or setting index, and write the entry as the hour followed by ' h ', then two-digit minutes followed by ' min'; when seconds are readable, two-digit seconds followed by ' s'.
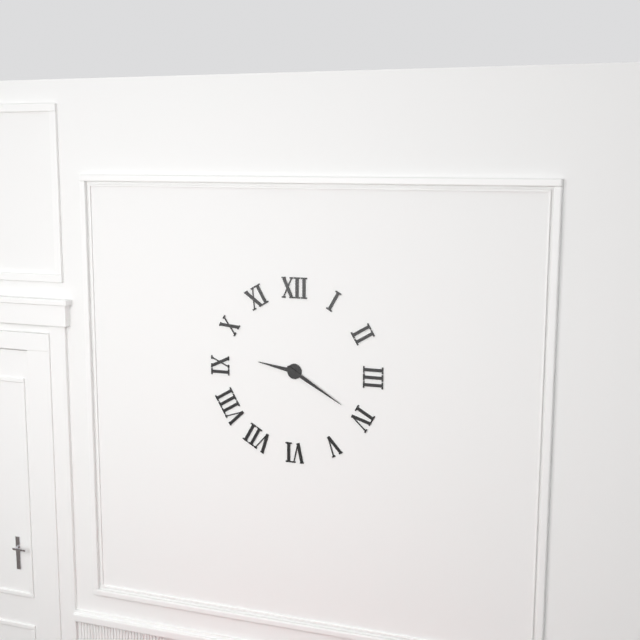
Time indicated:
9 h 20 min
